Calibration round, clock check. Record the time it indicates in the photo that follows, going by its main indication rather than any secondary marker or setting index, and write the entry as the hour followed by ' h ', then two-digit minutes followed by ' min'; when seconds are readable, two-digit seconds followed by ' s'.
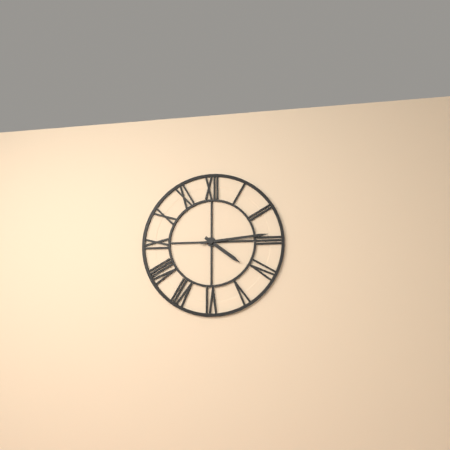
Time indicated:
4 h 14 min
